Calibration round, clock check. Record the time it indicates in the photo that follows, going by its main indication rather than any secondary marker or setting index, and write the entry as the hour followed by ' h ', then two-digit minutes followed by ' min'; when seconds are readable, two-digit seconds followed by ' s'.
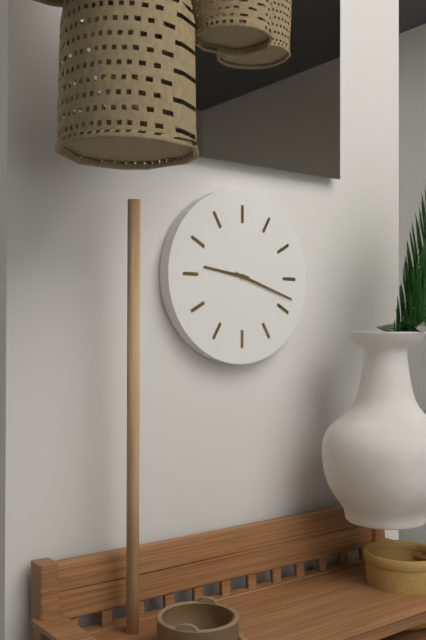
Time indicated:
9 h 18 min
